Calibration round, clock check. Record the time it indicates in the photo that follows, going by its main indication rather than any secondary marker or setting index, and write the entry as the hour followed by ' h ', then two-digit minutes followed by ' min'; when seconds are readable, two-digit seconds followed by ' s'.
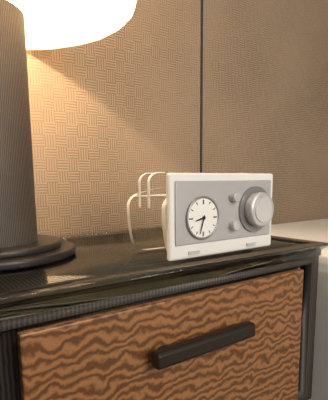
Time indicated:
8 h 33 min
